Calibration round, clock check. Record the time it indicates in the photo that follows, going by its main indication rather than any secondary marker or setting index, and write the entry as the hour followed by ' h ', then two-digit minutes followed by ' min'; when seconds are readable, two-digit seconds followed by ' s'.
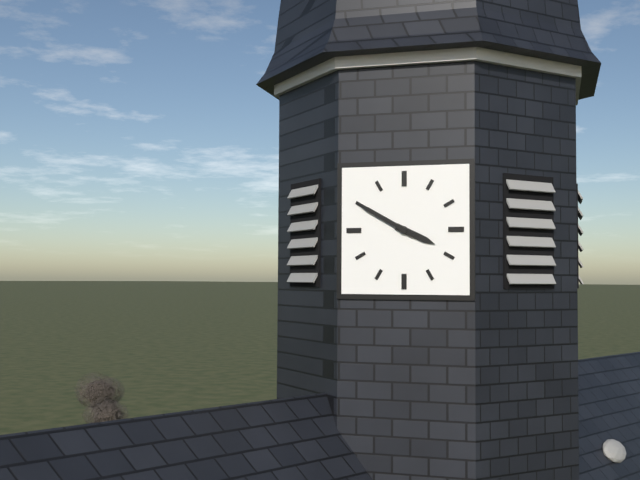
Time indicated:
3 h 50 min
